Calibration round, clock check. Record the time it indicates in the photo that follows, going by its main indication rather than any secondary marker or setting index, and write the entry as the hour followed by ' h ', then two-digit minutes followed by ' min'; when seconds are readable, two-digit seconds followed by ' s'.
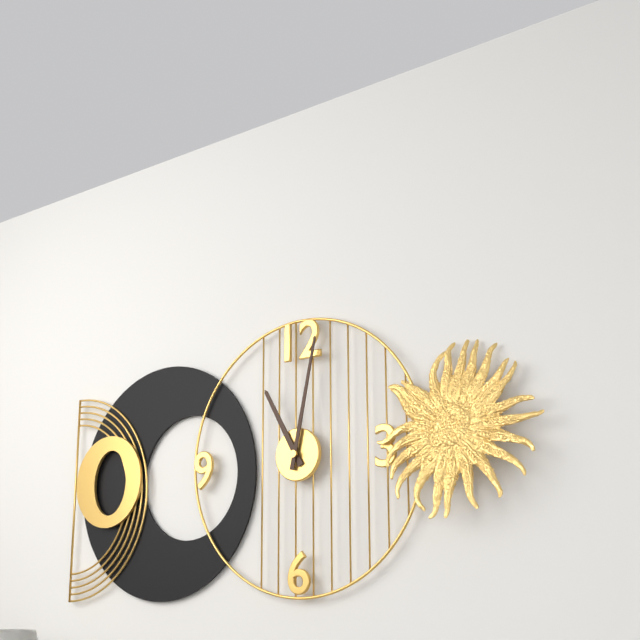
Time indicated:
11 h 02 min
